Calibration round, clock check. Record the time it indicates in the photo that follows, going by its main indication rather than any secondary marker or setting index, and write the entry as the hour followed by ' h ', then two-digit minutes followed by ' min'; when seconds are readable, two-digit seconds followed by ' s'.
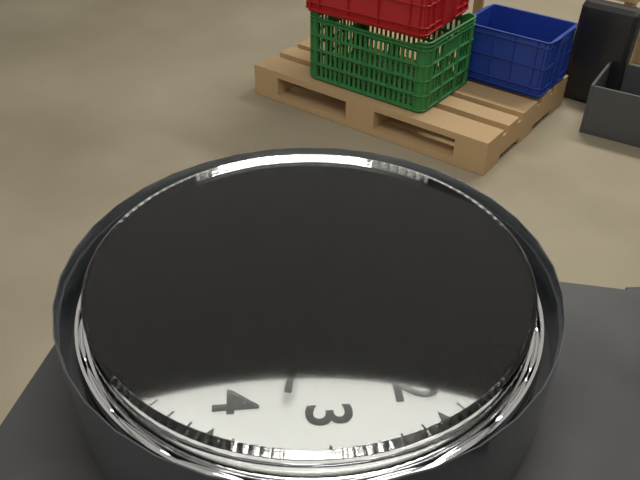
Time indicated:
3 h 25 min
